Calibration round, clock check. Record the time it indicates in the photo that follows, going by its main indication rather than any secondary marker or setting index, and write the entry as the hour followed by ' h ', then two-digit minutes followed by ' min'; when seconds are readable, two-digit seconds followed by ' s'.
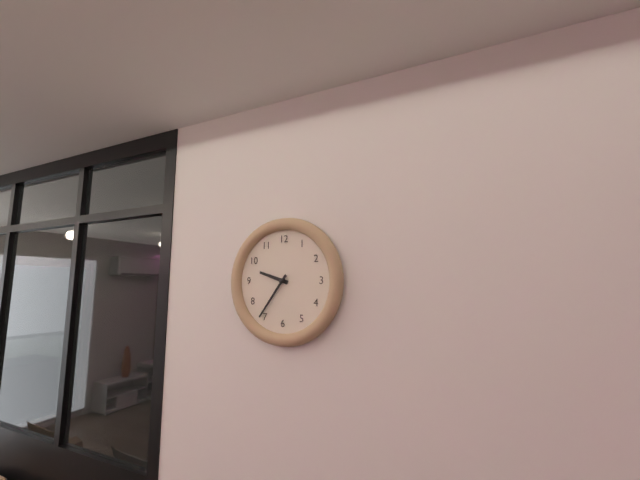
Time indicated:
9 h 36 min
